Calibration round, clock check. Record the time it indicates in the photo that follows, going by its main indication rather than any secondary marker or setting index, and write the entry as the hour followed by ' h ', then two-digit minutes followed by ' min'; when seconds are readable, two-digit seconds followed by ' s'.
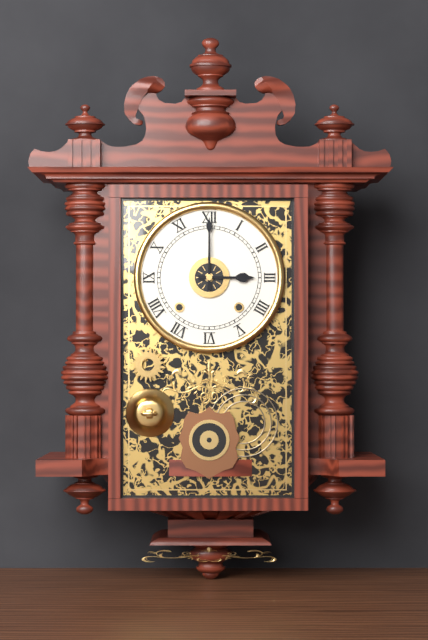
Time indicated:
3 h 00 min
